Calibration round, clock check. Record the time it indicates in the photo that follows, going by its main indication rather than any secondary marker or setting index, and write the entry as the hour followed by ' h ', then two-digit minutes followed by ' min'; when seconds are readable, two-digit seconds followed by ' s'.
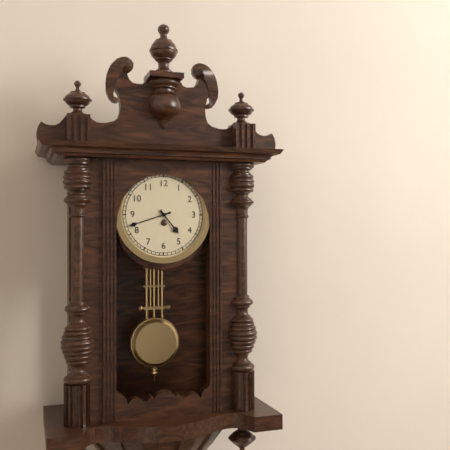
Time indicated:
4 h 42 min
